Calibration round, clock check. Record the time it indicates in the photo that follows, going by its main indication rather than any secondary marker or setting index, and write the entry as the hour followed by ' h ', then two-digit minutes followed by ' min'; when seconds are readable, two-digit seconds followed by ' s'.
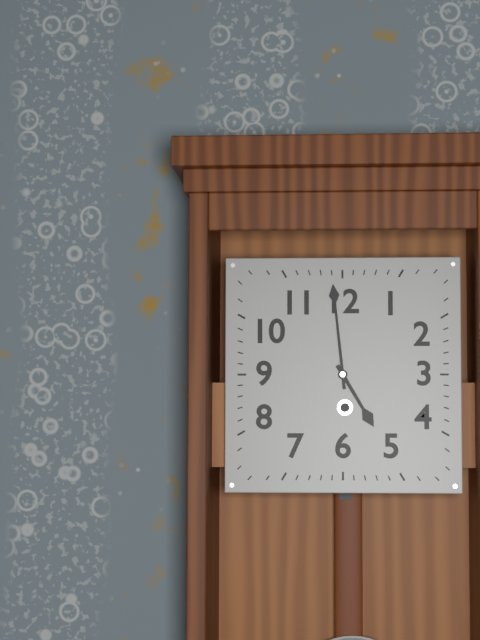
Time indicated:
4 h 59 min
